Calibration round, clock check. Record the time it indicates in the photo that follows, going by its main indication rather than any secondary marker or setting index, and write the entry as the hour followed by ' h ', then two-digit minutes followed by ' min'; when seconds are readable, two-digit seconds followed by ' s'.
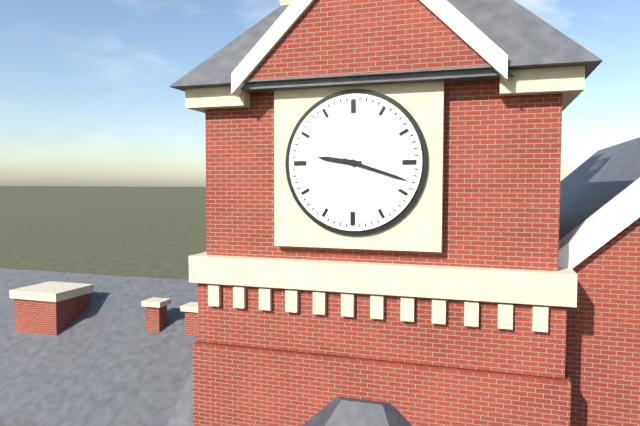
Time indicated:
9 h 18 min
